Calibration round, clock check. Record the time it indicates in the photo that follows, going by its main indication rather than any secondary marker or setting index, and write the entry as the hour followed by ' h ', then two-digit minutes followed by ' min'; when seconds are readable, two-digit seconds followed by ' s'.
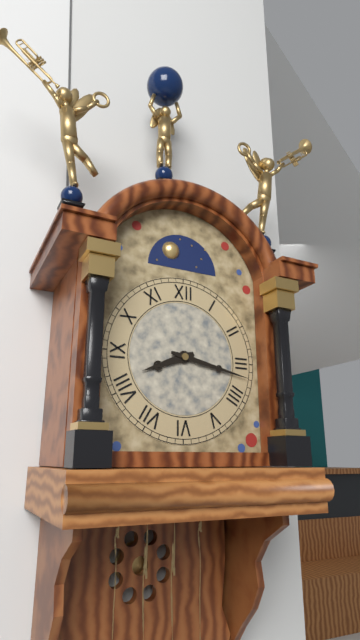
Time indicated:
8 h 17 min
